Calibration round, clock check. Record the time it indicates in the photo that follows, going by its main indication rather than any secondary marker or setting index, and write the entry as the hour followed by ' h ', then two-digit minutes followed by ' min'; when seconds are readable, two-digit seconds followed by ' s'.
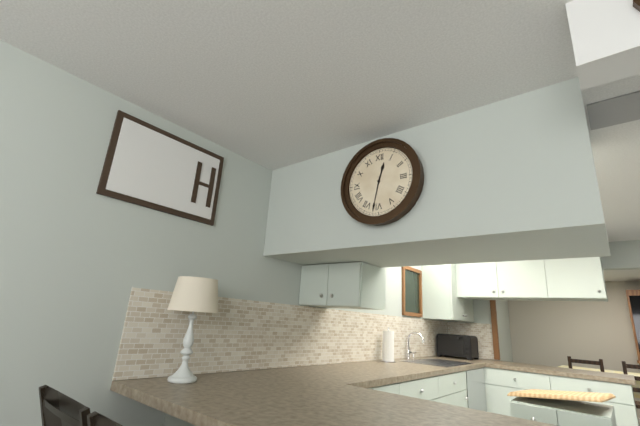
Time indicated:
12 h 32 min
